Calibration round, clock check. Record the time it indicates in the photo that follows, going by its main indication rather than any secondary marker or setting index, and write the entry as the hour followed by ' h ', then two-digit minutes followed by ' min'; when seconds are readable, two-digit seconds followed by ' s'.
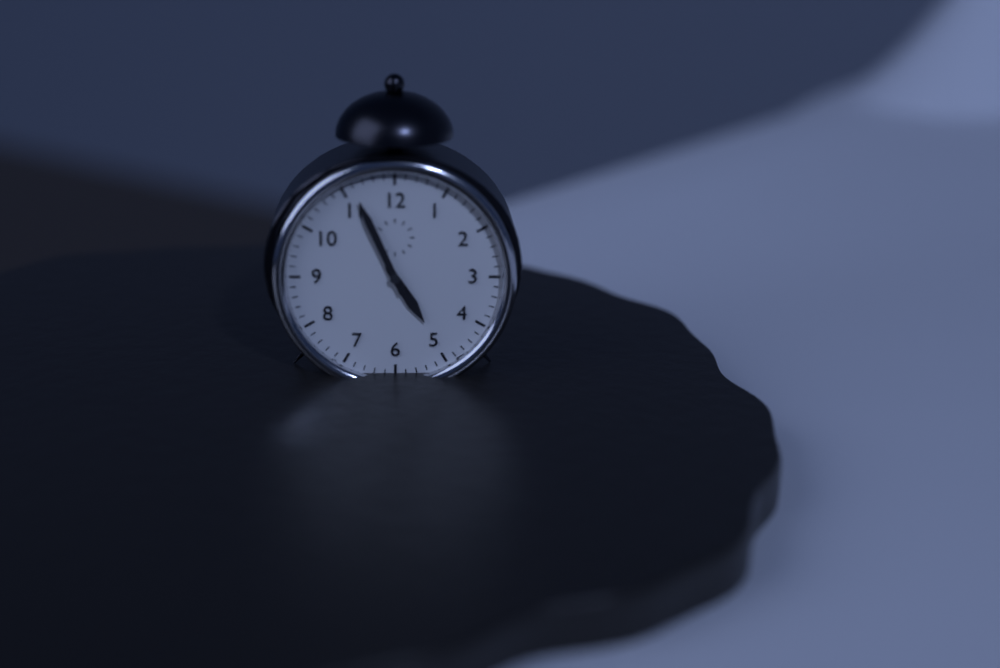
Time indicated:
4 h 56 min
